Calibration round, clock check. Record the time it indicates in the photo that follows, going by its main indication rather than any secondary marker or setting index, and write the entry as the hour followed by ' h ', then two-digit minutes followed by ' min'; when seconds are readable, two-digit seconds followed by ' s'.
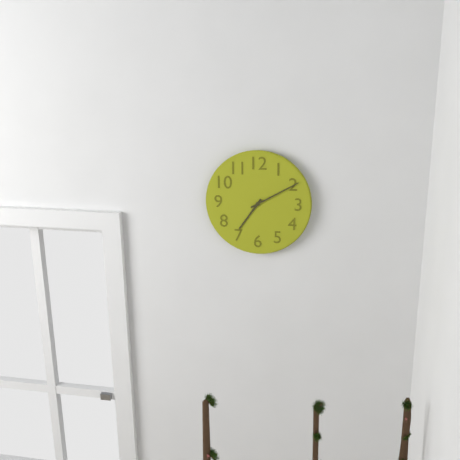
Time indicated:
7 h 10 min
